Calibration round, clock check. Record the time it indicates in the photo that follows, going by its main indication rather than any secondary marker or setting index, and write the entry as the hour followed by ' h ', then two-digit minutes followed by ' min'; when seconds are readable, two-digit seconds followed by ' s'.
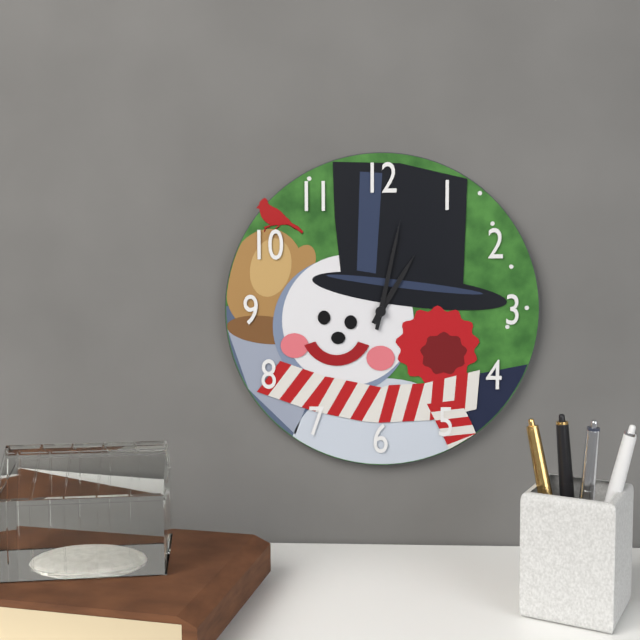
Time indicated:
1 h 02 min
